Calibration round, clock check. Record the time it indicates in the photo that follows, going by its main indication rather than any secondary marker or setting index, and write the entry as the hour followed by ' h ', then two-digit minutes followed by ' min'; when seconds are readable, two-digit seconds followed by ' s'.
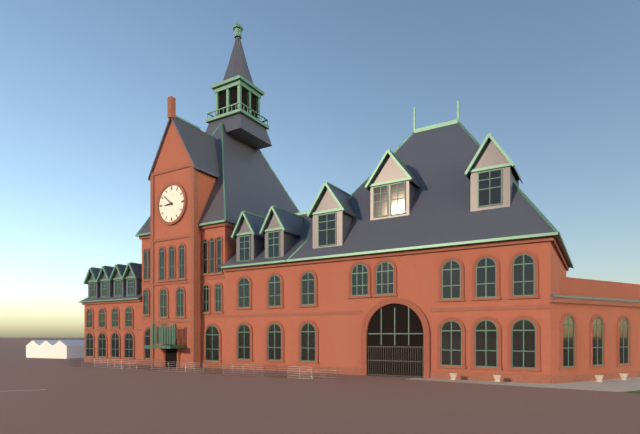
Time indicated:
8 h 52 min
